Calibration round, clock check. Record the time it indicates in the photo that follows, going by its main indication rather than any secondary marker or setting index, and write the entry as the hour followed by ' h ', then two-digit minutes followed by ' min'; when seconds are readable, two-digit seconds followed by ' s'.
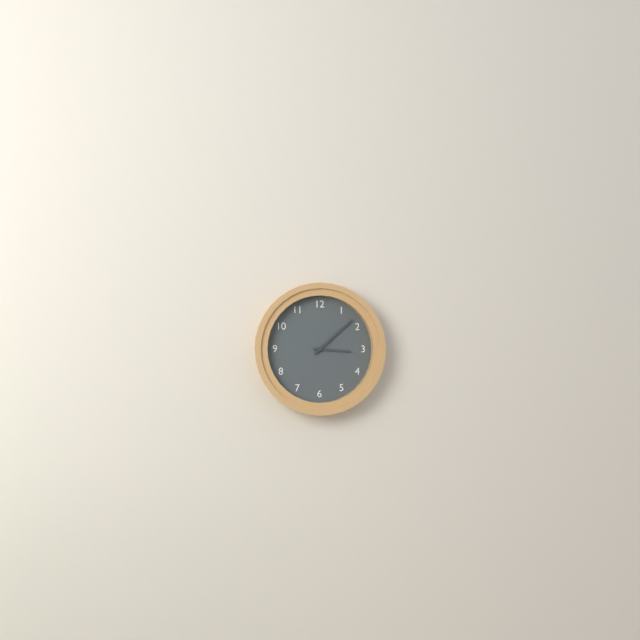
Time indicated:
3 h 08 min
